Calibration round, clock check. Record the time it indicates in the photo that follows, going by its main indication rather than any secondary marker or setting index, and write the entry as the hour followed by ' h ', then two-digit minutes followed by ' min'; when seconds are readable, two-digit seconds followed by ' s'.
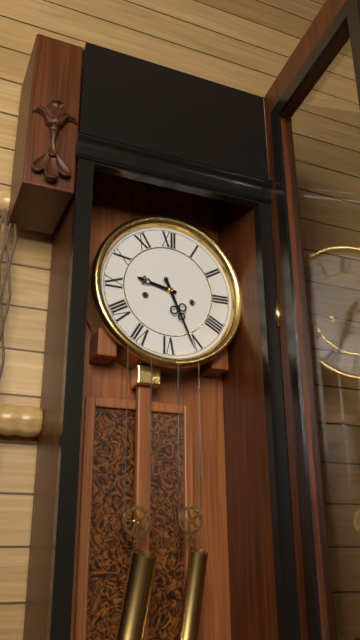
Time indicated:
9 h 26 min
